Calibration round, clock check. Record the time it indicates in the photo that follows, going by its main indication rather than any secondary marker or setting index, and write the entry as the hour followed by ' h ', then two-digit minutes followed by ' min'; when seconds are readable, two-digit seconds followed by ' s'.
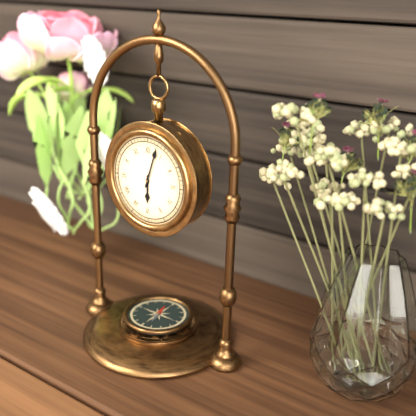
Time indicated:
6 h 03 min
